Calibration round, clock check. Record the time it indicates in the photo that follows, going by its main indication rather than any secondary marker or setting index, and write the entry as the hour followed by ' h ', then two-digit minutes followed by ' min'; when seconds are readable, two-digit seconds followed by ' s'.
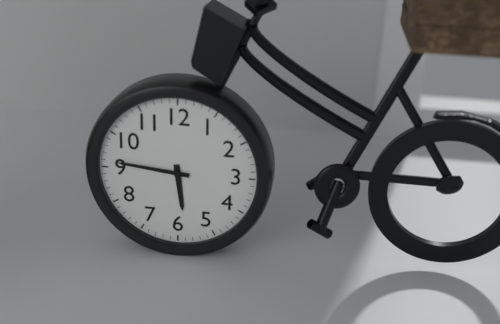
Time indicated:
5 h 46 min
